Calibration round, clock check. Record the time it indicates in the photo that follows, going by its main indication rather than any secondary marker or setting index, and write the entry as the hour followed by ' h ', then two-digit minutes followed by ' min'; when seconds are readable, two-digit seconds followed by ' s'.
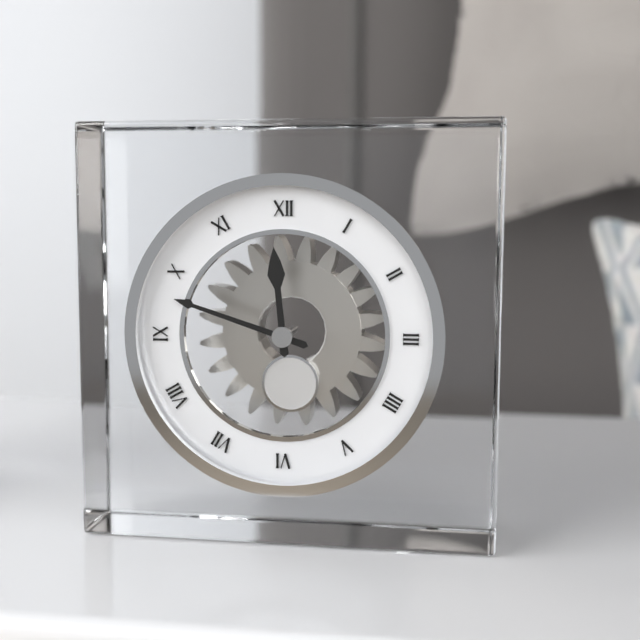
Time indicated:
11 h 48 min
